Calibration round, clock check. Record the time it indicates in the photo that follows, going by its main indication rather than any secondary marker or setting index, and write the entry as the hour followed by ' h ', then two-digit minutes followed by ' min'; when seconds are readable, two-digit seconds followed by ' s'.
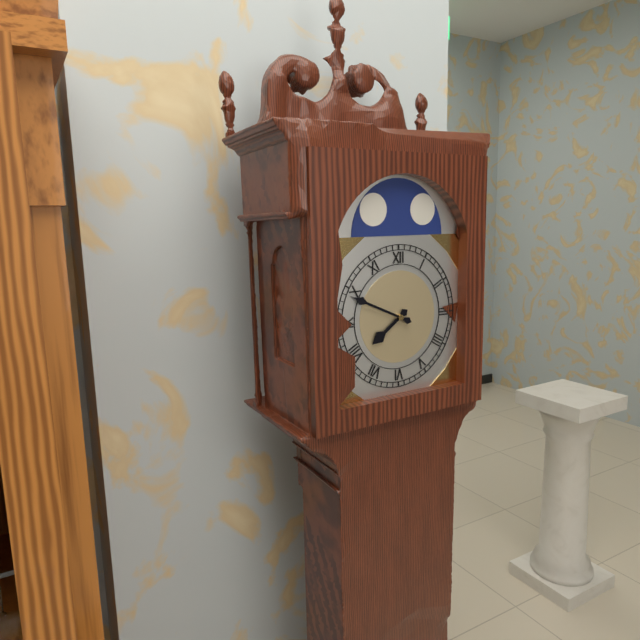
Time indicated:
7 h 49 min
